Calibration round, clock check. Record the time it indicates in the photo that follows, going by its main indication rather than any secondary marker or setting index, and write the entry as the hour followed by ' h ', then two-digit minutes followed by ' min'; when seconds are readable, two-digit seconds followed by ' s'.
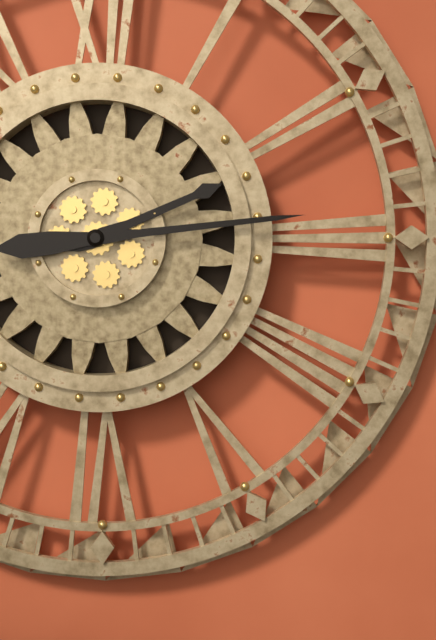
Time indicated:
2 h 14 min
